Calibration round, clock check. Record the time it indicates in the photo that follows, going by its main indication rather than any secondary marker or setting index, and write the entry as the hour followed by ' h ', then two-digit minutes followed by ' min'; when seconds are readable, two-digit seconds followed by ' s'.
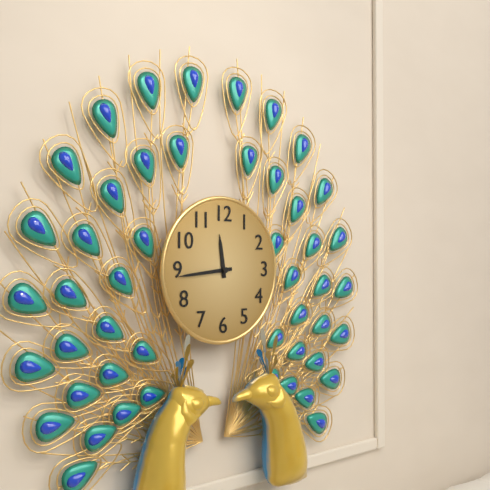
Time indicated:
11 h 44 min
